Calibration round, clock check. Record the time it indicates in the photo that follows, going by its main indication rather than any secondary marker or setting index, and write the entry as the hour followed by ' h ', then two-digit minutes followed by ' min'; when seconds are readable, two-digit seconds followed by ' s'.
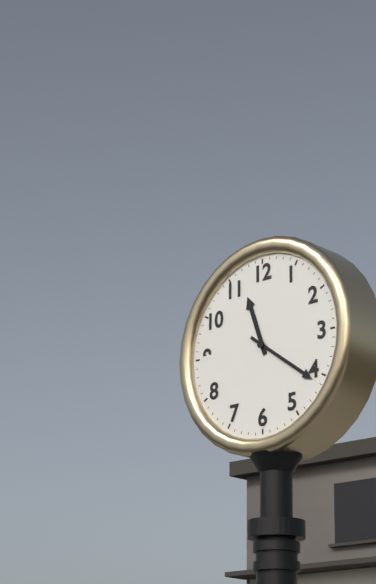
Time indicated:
11 h 21 min
